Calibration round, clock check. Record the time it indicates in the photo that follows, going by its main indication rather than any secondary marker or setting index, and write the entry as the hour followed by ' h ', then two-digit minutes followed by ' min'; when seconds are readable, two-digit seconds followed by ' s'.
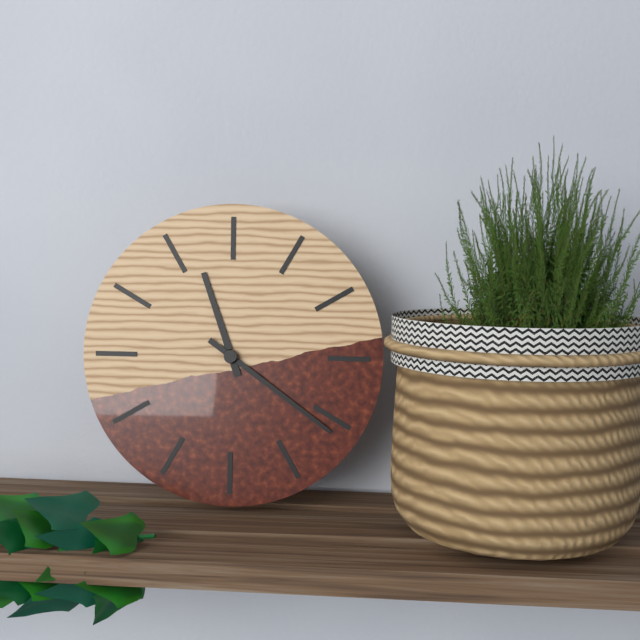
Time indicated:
11 h 21 min
